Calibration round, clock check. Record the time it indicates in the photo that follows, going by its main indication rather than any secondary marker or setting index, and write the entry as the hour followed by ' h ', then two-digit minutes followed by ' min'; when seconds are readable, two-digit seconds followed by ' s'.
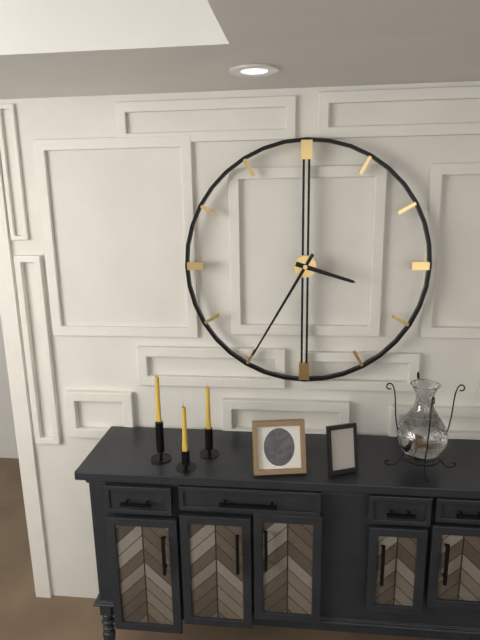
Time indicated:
3 h 35 min
